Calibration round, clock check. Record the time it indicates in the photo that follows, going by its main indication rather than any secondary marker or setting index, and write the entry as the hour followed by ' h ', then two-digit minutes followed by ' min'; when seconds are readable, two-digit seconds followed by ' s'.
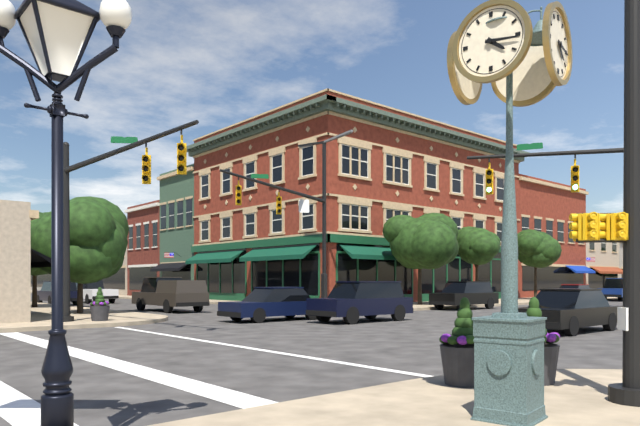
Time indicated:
4 h 16 min
